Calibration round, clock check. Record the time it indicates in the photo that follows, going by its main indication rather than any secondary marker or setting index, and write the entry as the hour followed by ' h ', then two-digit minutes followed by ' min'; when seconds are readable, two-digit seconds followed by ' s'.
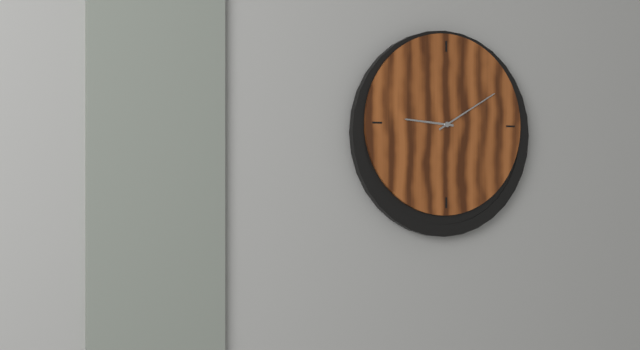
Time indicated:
9 h 10 min
